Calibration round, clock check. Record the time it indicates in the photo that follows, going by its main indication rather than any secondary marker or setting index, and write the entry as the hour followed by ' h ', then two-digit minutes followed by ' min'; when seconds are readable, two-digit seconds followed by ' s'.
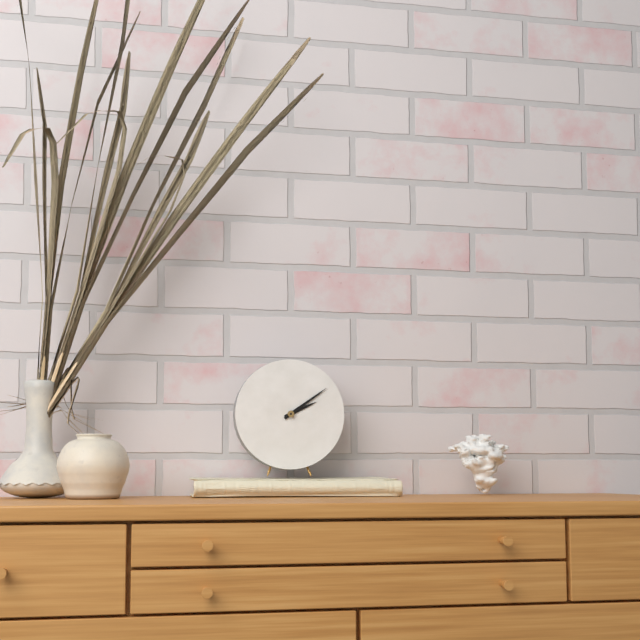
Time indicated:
2 h 09 min
